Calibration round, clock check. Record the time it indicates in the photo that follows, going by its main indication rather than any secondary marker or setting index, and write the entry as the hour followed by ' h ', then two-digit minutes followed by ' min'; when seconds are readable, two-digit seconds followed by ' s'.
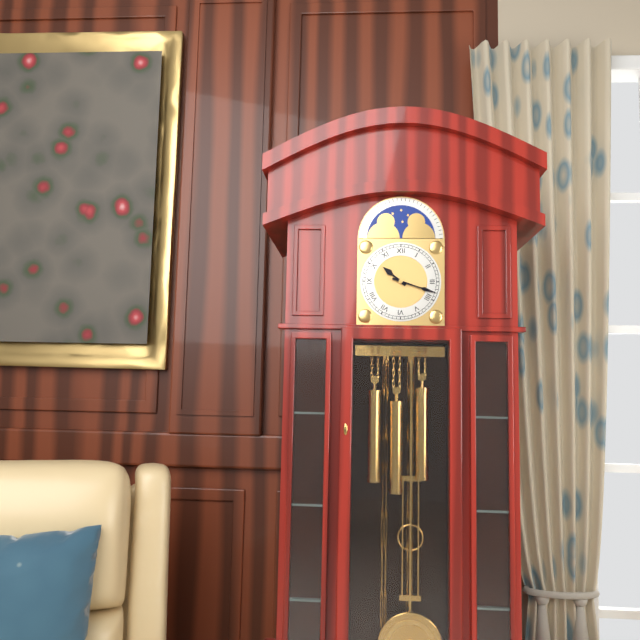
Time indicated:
10 h 18 min
